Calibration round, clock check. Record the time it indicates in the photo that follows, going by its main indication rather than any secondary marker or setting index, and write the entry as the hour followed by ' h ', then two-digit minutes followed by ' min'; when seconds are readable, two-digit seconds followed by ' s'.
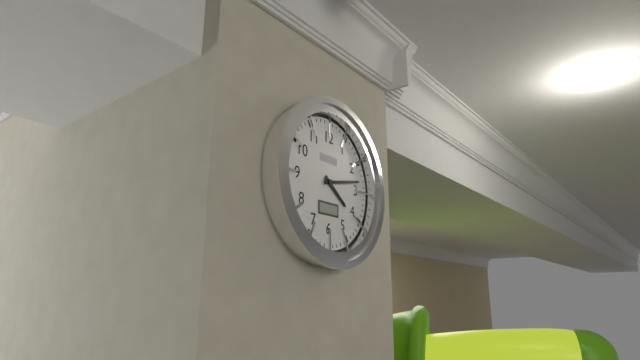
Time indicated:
4 h 13 min
